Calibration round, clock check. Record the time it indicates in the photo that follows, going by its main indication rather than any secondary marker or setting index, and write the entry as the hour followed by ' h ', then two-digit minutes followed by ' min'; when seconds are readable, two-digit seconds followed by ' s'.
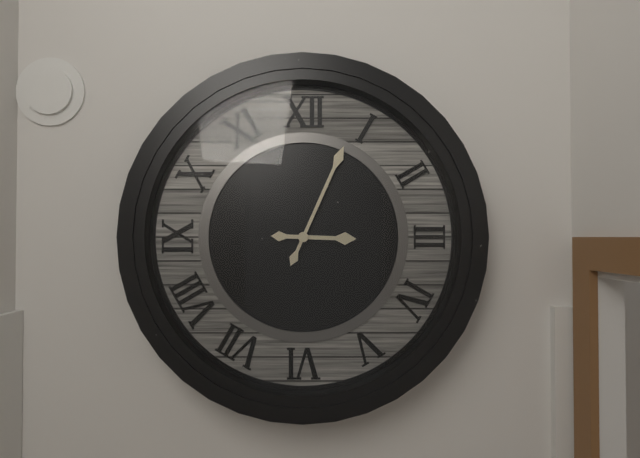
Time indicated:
3 h 04 min
